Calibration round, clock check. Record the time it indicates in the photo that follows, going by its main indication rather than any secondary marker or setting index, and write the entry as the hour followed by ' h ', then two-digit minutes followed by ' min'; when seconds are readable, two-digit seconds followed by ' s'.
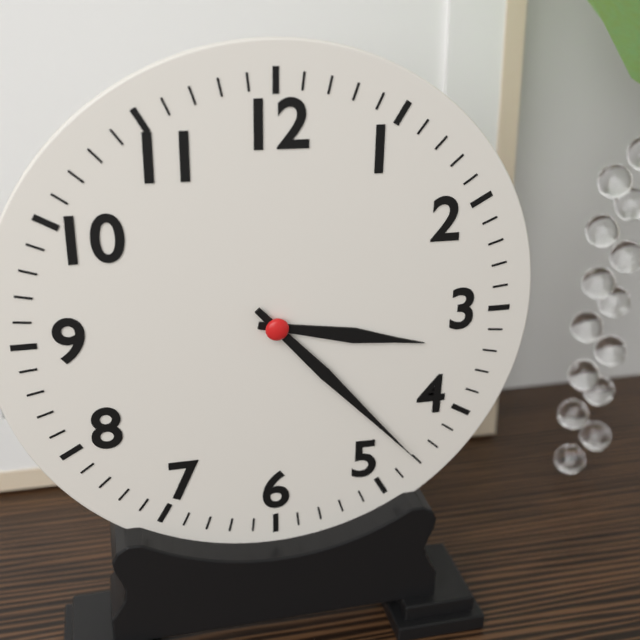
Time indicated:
3 h 23 min
